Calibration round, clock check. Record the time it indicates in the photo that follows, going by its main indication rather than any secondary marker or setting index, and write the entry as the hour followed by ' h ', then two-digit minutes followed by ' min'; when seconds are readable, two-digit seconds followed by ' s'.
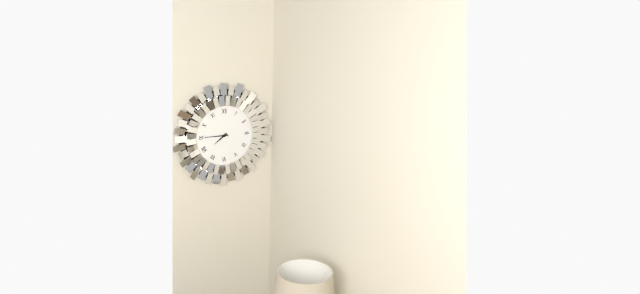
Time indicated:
7 h 45 min
